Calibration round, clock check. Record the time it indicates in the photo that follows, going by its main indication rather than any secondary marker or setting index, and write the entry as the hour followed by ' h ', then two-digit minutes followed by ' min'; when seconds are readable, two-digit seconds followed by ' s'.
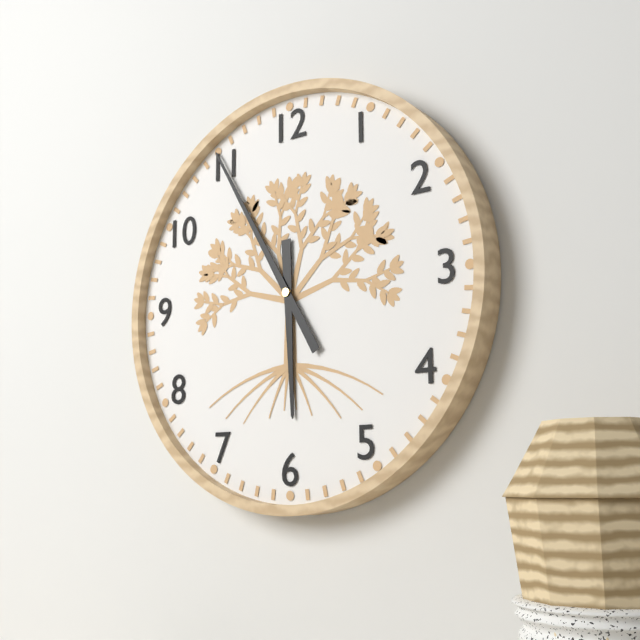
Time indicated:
5 h 55 min
